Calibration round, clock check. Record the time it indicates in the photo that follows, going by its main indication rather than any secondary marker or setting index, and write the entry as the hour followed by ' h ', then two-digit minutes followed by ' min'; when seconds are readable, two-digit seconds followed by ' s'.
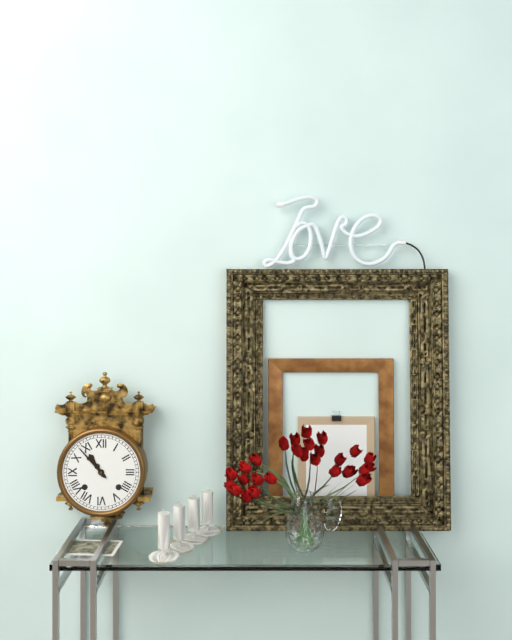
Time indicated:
10 h 53 min
